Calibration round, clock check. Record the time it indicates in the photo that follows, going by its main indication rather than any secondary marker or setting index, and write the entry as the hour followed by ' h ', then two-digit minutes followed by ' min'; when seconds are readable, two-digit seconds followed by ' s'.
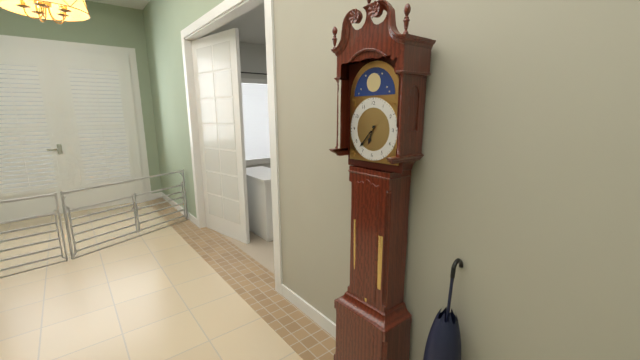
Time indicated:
6 h 37 min
